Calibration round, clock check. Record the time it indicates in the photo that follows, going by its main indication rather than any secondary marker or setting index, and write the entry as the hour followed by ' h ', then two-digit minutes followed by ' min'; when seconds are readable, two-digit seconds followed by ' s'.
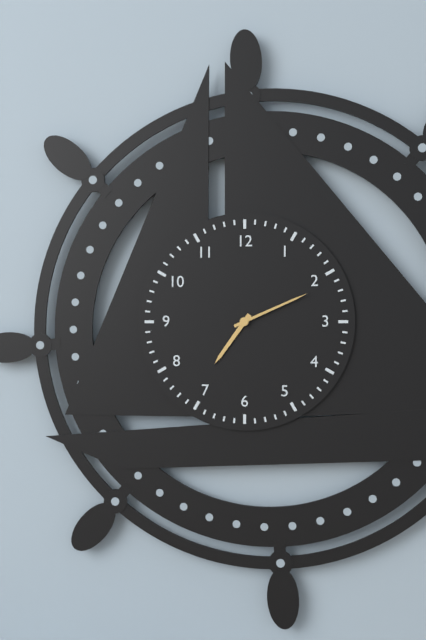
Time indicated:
7 h 11 min
